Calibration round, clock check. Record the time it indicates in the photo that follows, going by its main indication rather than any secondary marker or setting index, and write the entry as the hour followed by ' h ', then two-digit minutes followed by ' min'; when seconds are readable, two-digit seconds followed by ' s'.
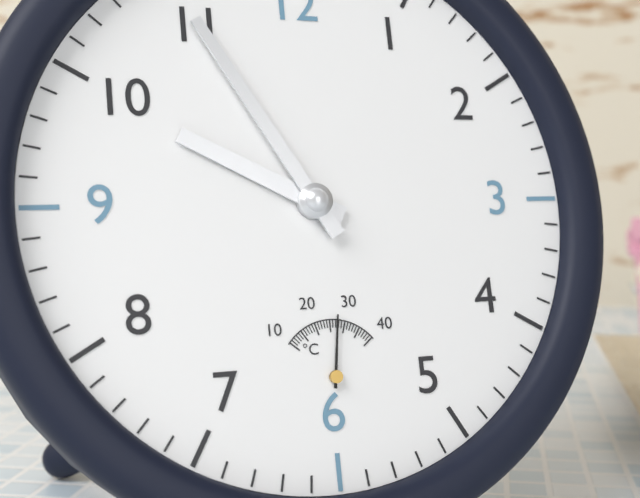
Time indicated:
9 h 55 min
